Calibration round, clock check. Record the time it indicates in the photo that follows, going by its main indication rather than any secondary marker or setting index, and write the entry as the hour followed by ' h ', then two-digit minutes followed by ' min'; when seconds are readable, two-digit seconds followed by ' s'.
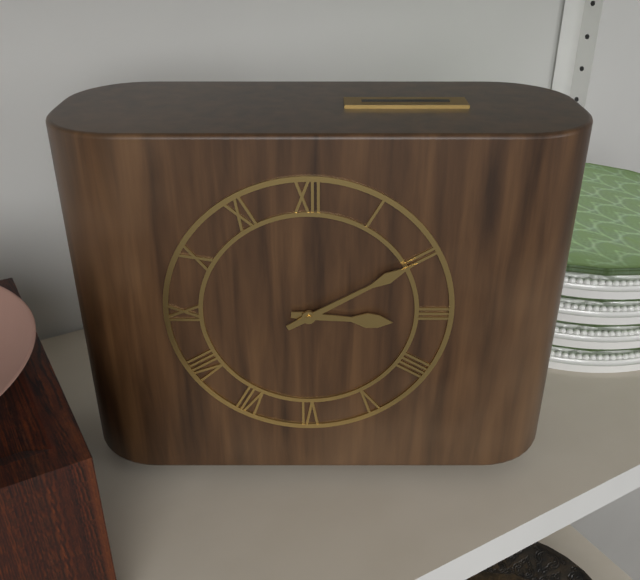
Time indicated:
3 h 10 min
